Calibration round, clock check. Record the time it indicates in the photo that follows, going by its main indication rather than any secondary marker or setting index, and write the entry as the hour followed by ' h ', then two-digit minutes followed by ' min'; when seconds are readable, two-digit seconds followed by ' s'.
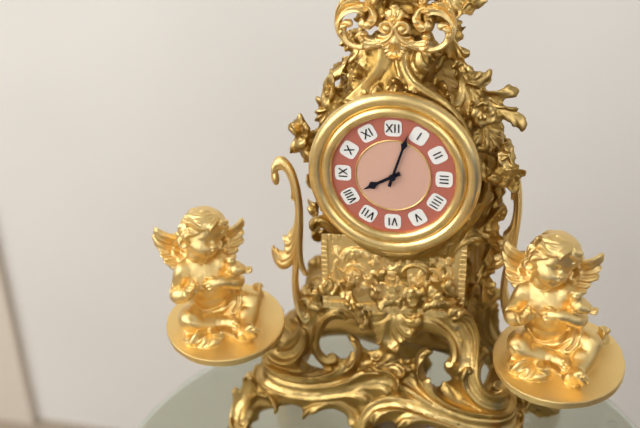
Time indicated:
8 h 03 min
